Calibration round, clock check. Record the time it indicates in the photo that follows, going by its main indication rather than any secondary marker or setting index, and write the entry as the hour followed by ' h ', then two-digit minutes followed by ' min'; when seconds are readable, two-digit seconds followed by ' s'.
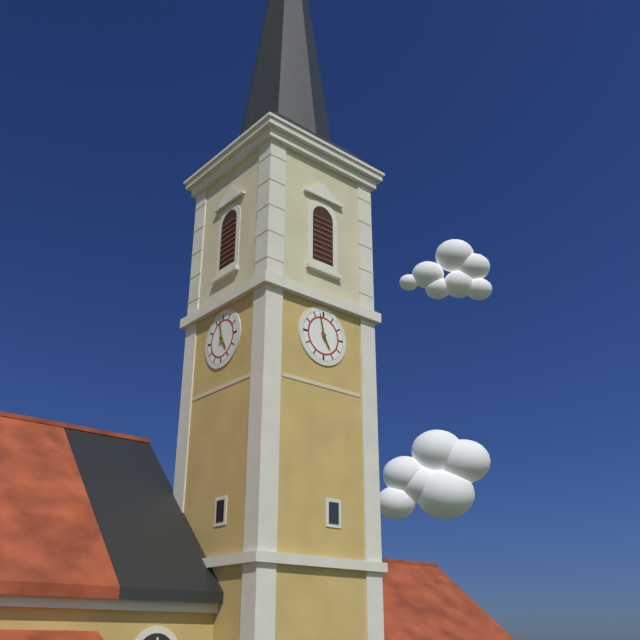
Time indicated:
4 h 58 min
